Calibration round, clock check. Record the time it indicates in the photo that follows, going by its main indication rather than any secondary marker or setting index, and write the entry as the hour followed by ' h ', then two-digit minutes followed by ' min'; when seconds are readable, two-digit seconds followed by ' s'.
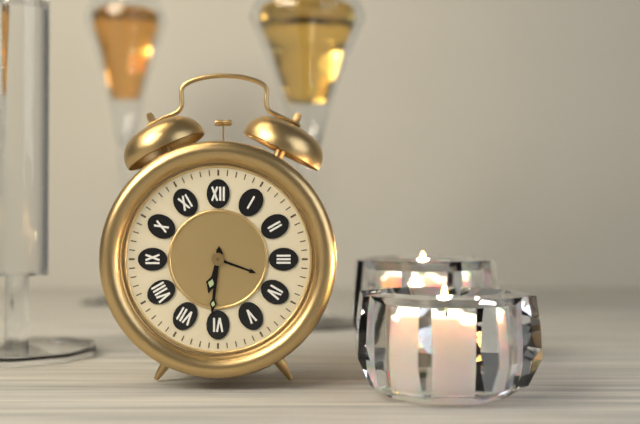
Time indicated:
6 h 31 min
